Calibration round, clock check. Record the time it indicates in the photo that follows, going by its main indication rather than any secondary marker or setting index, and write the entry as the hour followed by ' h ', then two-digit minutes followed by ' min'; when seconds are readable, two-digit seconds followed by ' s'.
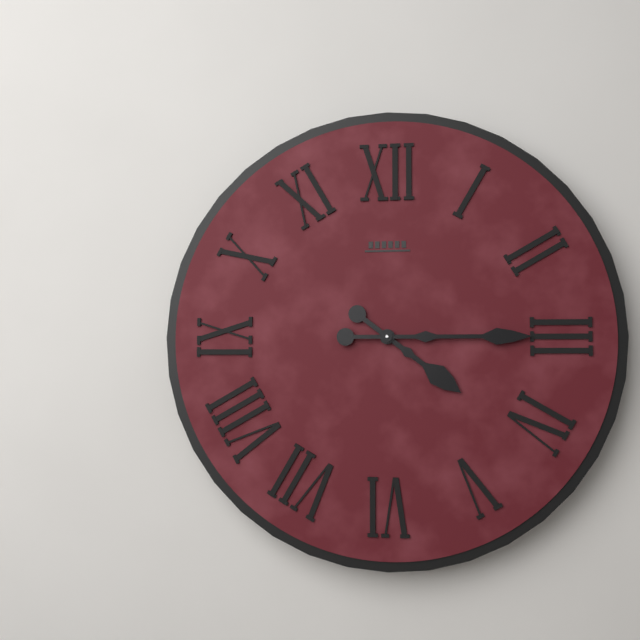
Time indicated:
4 h 15 min
